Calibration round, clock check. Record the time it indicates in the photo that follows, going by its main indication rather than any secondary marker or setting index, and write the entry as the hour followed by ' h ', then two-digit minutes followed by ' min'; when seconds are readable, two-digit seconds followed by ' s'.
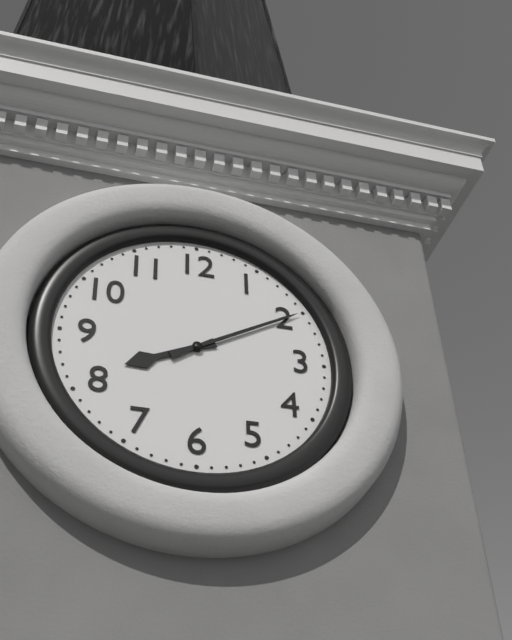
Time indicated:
8 h 10 min
